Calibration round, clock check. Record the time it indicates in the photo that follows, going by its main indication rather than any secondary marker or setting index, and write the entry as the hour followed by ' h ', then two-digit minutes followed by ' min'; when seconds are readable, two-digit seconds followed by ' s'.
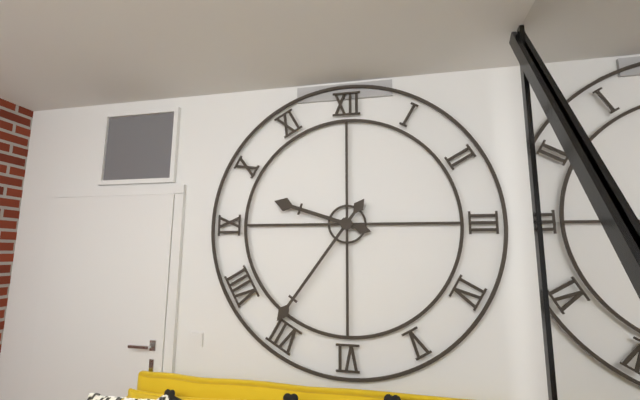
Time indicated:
9 h 36 min
